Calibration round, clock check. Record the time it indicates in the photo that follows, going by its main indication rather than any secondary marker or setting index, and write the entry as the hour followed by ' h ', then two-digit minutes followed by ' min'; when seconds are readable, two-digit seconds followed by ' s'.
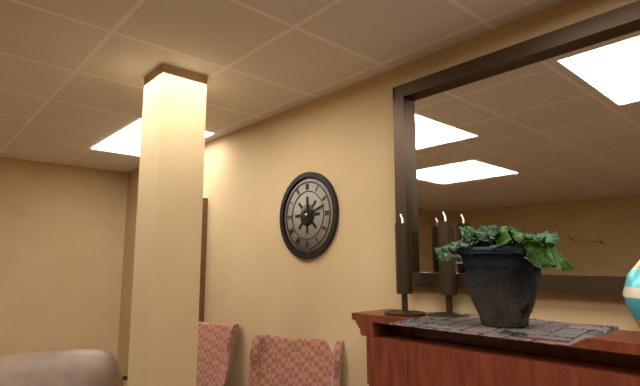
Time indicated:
12 h 12 min
